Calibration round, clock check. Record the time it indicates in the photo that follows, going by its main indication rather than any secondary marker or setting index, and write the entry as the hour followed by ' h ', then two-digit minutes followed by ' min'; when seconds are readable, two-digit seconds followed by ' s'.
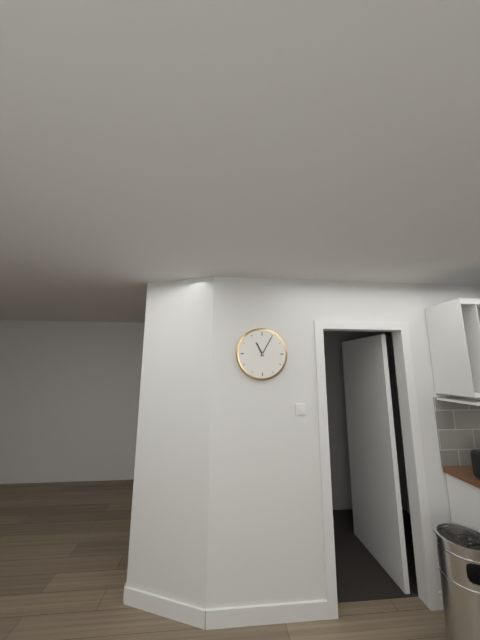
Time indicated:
11 h 05 min
